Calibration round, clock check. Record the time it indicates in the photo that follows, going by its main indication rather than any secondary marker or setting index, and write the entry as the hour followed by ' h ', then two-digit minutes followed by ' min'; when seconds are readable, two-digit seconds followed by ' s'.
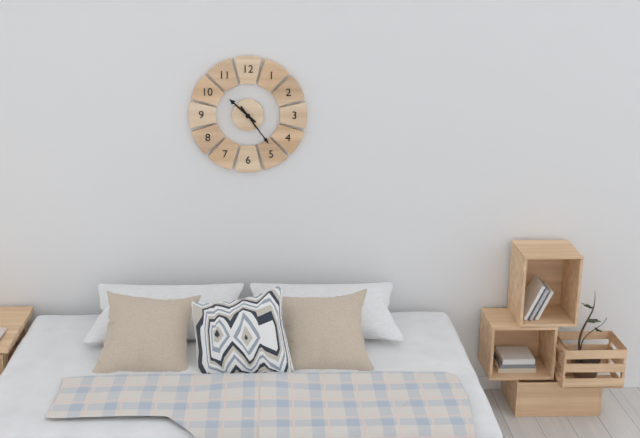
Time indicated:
10 h 24 min
